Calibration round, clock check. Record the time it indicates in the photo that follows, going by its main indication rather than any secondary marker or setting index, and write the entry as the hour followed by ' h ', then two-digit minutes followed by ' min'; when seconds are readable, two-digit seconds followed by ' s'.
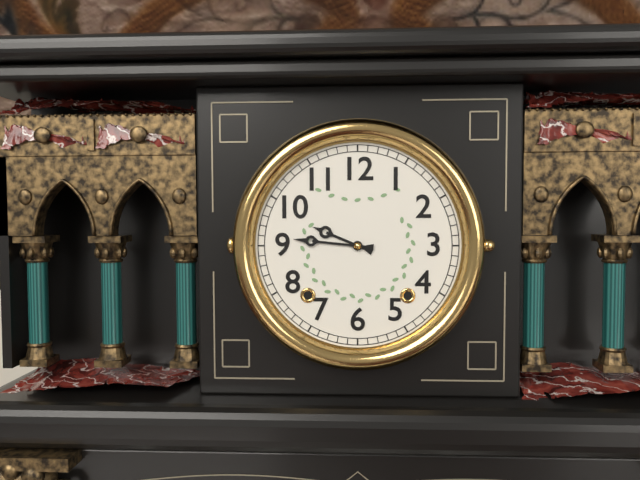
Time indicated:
9 h 46 min
